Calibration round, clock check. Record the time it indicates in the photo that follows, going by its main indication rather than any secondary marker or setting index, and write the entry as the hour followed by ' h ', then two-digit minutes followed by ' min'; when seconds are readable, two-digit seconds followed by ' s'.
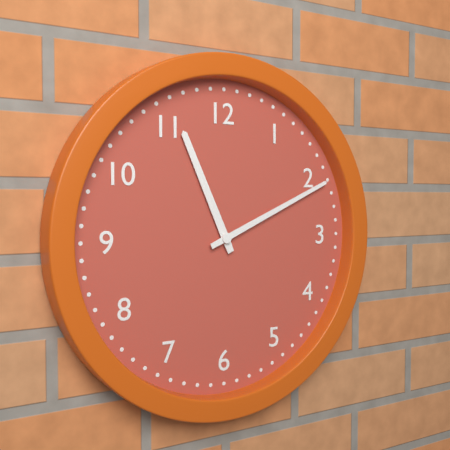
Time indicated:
11 h 11 min
